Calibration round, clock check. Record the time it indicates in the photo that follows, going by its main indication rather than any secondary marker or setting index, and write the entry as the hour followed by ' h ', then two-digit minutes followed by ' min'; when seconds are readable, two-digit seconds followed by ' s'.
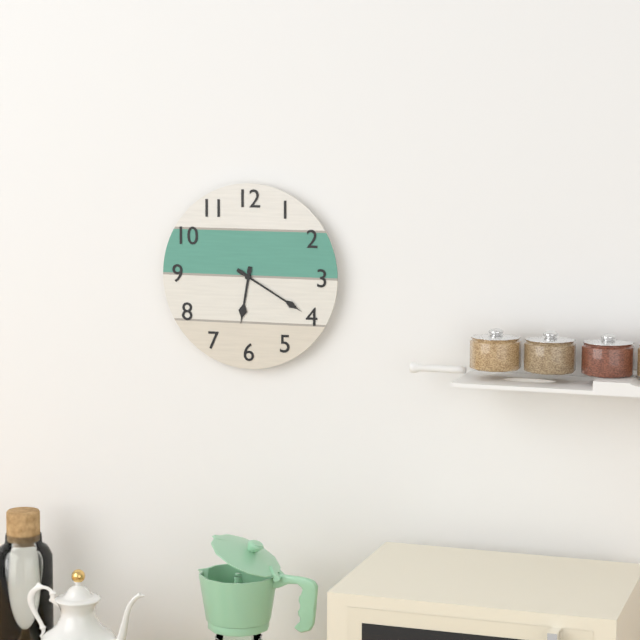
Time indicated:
6 h 20 min
